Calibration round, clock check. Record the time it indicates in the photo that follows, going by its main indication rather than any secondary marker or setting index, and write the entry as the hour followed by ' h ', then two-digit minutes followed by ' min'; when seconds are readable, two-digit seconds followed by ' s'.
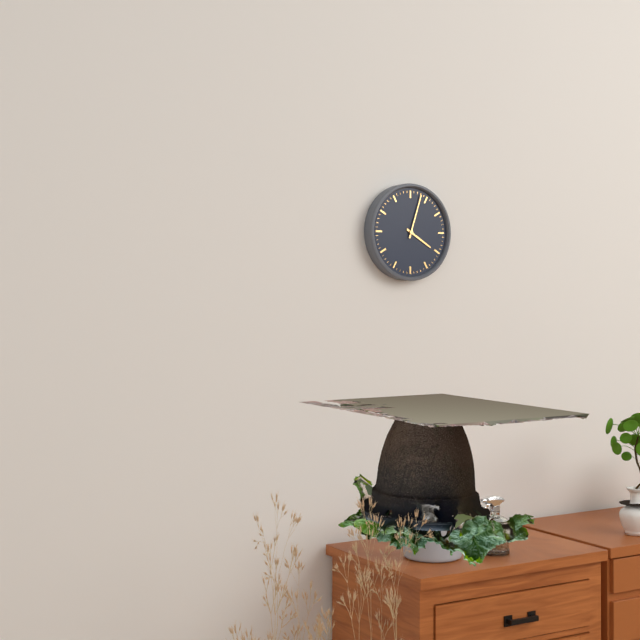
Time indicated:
4 h 03 min
